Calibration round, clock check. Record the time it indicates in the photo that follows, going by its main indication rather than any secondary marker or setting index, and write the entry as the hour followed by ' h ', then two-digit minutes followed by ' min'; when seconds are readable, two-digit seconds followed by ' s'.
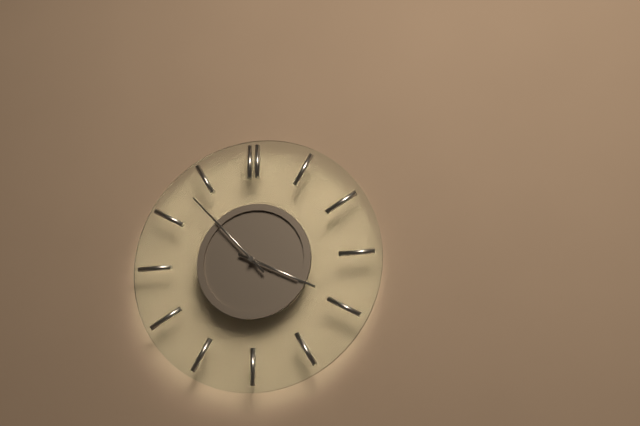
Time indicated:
3 h 53 min
